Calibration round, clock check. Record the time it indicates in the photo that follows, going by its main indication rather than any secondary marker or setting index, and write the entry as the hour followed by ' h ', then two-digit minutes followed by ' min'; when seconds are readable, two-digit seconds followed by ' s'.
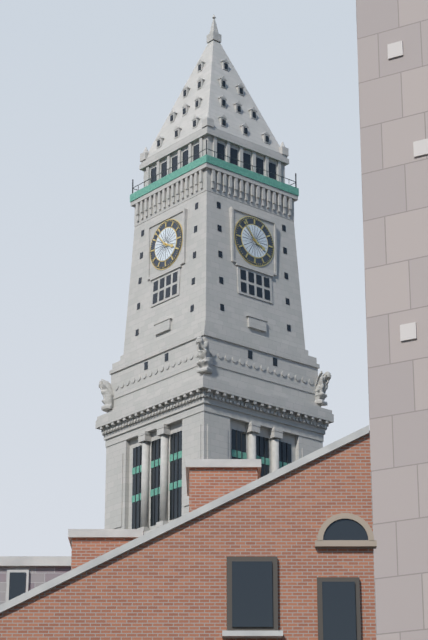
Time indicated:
3 h 53 min
